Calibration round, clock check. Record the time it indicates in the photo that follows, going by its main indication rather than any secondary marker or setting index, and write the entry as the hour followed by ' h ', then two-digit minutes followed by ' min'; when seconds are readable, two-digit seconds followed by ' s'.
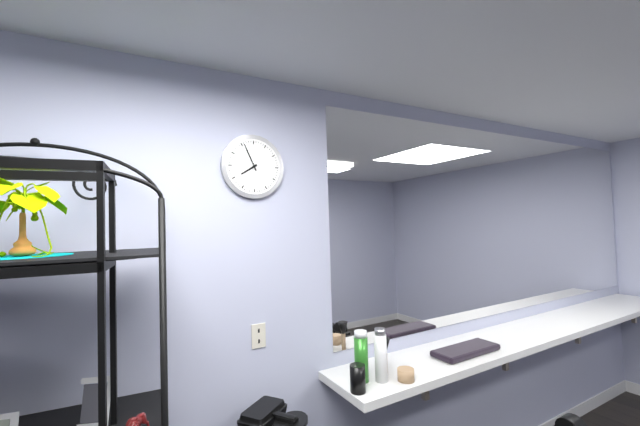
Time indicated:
7 h 56 min
